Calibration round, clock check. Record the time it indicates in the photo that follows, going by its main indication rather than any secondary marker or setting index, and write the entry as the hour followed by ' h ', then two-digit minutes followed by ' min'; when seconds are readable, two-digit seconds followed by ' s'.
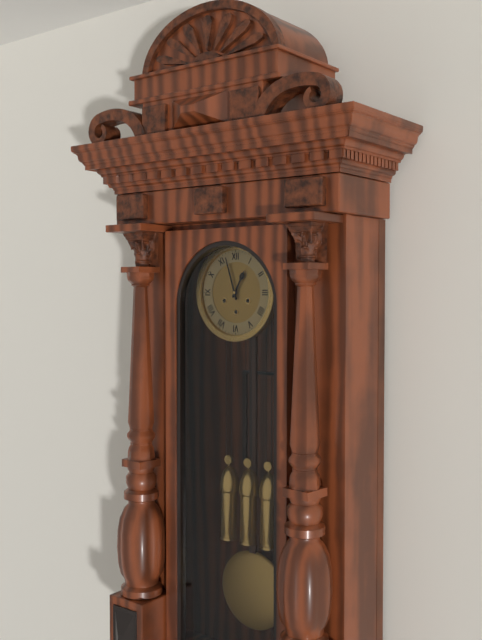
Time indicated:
12 h 57 min
